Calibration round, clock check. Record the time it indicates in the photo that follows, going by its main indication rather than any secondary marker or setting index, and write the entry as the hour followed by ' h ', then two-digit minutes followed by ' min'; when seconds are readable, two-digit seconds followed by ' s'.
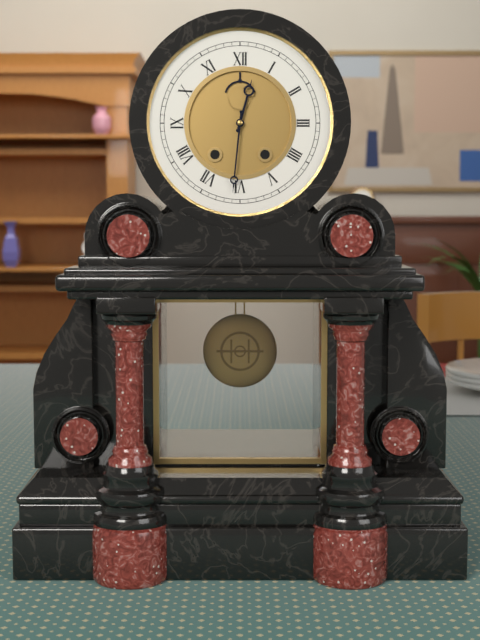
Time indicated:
12 h 31 min
